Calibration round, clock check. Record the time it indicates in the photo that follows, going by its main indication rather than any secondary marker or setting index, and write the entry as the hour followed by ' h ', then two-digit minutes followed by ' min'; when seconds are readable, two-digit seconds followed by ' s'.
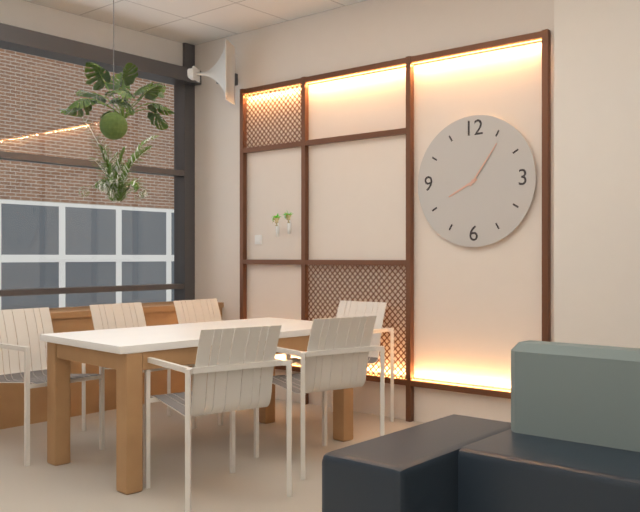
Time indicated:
8 h 06 min
